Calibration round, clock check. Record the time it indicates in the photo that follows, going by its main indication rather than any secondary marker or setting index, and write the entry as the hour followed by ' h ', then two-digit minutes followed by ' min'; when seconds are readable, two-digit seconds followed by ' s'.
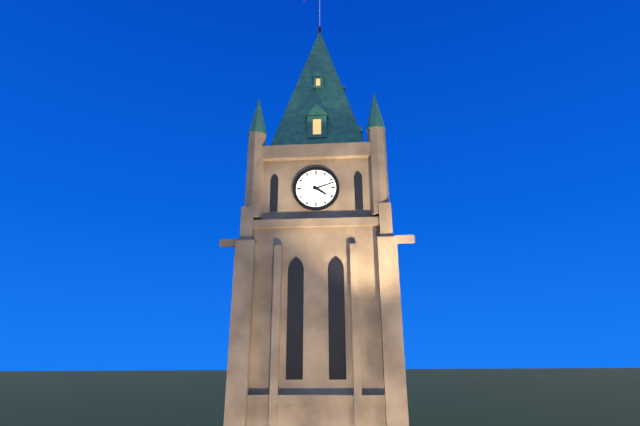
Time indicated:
4 h 12 min
